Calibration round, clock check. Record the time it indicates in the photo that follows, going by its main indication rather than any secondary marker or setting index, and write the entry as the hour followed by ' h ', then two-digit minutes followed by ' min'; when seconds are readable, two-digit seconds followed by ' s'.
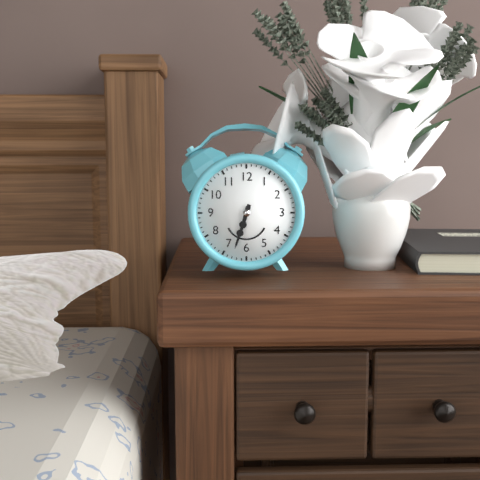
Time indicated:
6 h 33 min
